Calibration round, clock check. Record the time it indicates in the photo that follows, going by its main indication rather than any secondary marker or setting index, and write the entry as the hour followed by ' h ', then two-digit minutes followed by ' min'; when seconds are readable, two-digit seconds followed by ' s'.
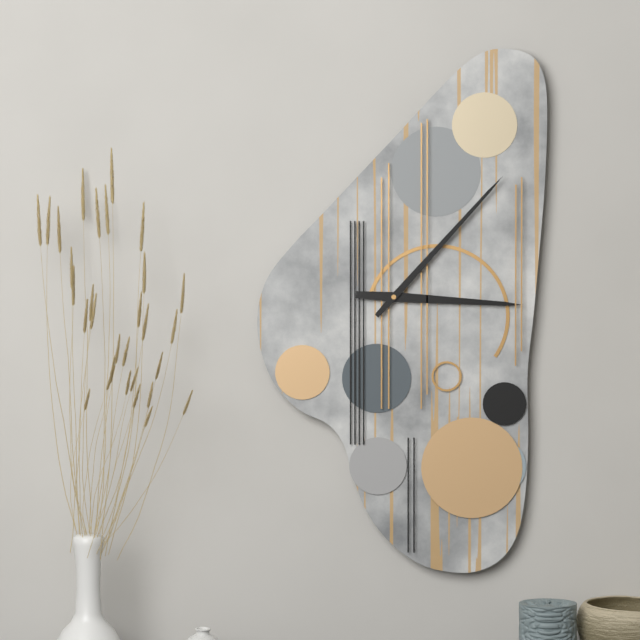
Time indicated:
3 h 07 min
